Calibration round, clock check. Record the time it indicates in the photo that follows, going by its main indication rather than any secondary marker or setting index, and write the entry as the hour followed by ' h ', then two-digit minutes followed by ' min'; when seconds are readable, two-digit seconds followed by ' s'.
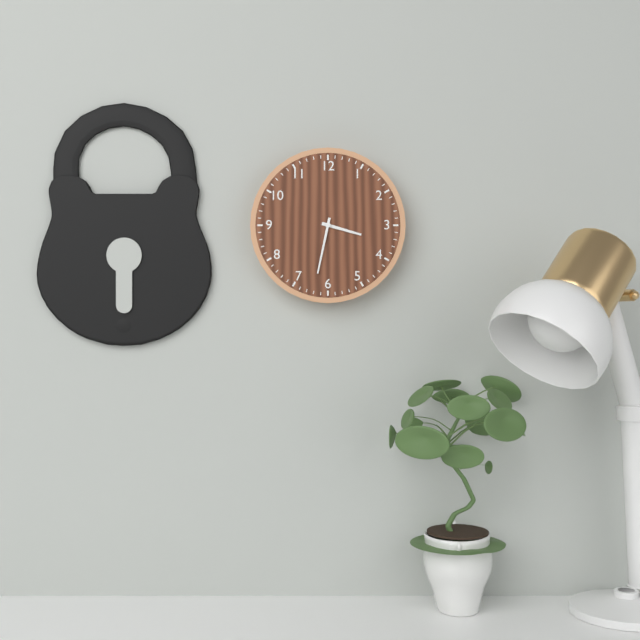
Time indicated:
3 h 32 min
